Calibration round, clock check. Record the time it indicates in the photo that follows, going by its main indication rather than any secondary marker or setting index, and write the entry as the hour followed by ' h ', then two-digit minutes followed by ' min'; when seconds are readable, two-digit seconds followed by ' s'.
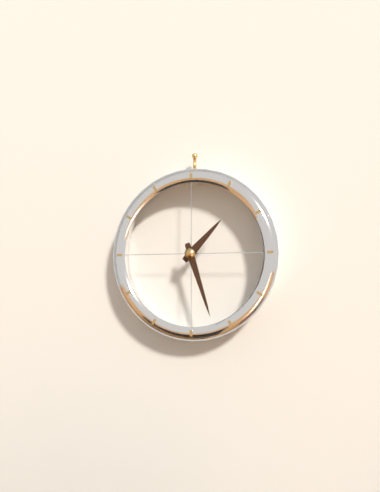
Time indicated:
1 h 27 min
